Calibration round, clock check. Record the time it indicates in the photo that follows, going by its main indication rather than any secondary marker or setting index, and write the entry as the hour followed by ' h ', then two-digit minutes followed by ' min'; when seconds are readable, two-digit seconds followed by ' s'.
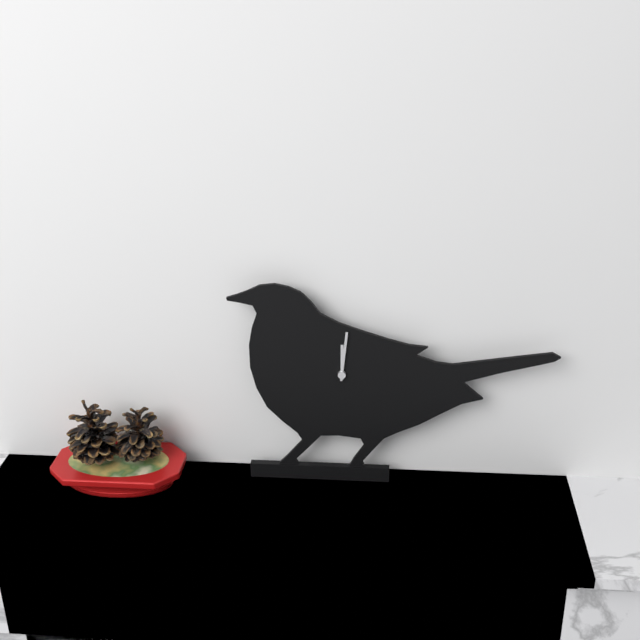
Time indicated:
12 h 01 min
